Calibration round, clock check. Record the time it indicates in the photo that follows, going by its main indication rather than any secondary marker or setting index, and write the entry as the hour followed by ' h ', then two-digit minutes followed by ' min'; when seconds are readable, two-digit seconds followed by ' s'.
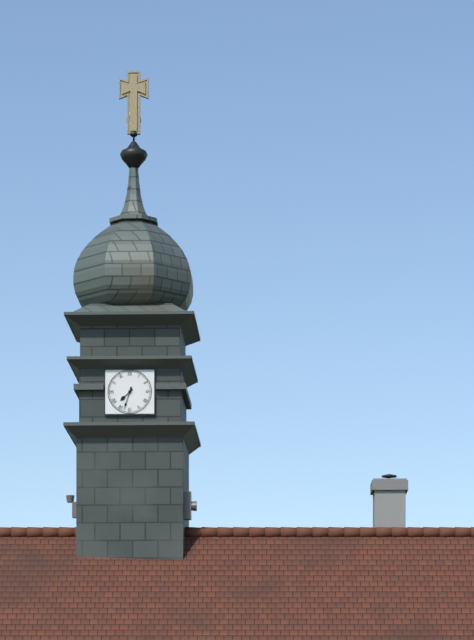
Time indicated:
7 h 33 min
